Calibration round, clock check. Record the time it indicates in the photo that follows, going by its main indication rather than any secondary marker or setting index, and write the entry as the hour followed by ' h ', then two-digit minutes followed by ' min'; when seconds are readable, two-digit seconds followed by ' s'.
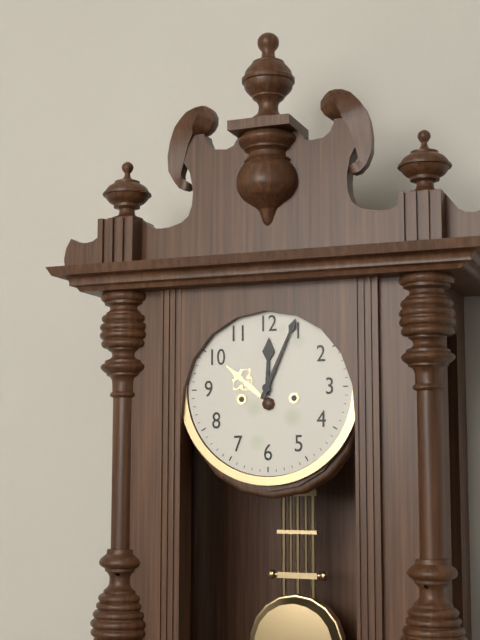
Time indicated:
12 h 04 min
